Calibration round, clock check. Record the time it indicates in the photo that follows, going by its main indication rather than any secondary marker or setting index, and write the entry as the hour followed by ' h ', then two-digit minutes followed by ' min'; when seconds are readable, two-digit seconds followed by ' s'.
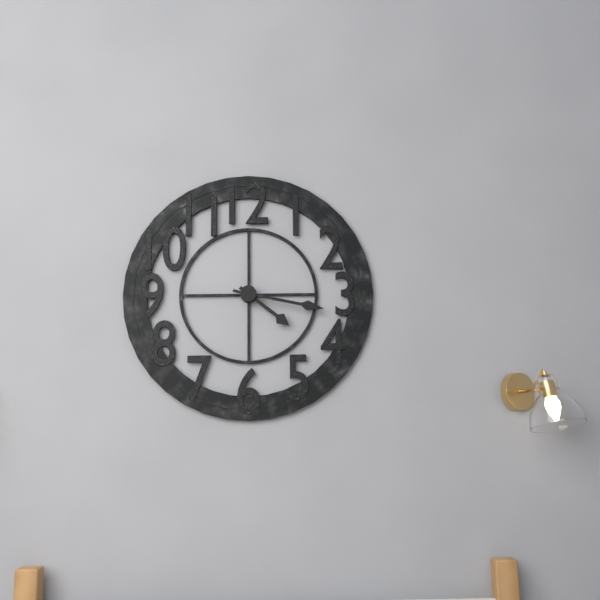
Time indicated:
4 h 17 min
